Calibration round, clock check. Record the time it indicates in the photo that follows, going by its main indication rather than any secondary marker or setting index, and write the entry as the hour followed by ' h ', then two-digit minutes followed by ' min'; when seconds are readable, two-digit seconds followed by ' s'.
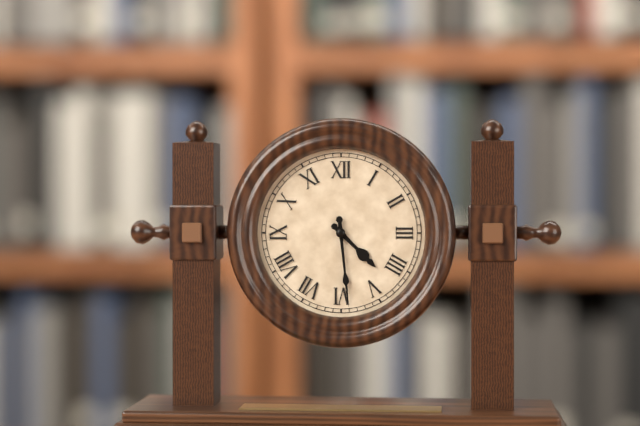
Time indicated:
4 h 29 min
